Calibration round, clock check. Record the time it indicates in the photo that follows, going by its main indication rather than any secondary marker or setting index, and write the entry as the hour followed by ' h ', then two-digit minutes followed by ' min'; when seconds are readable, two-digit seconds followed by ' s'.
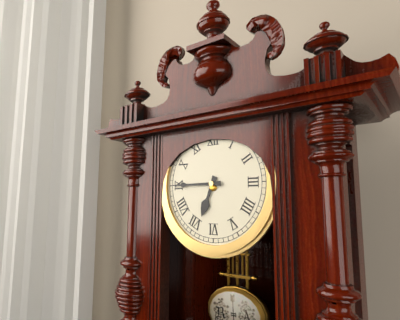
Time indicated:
6 h 45 min
